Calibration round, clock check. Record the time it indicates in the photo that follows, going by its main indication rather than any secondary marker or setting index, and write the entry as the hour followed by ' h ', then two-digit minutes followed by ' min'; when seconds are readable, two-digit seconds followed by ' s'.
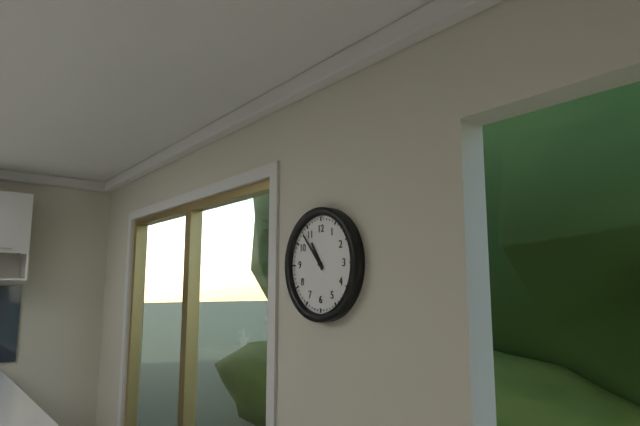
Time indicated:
10 h 53 min
